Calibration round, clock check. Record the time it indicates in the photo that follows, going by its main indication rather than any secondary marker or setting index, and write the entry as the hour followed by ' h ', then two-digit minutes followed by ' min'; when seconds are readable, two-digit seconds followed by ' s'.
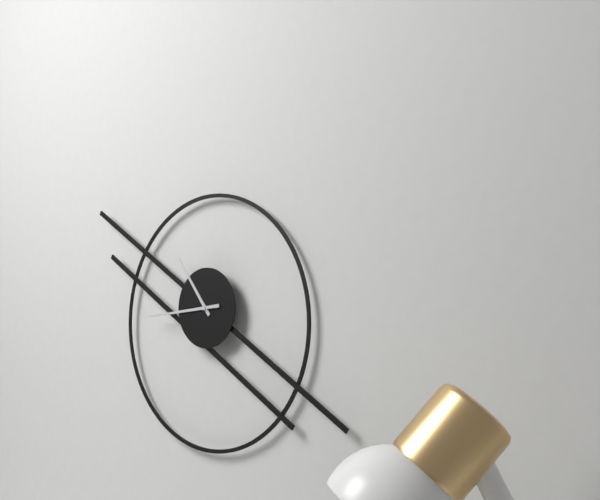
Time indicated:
10 h 44 min
